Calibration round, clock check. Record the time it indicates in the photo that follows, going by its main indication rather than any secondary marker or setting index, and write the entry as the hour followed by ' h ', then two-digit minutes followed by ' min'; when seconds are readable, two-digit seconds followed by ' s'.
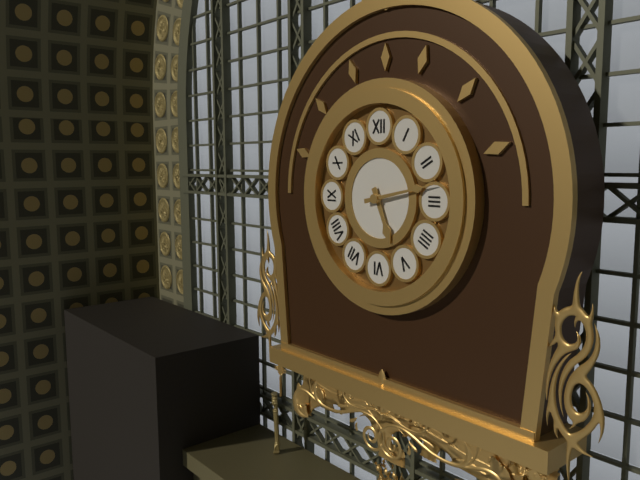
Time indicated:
5 h 13 min
